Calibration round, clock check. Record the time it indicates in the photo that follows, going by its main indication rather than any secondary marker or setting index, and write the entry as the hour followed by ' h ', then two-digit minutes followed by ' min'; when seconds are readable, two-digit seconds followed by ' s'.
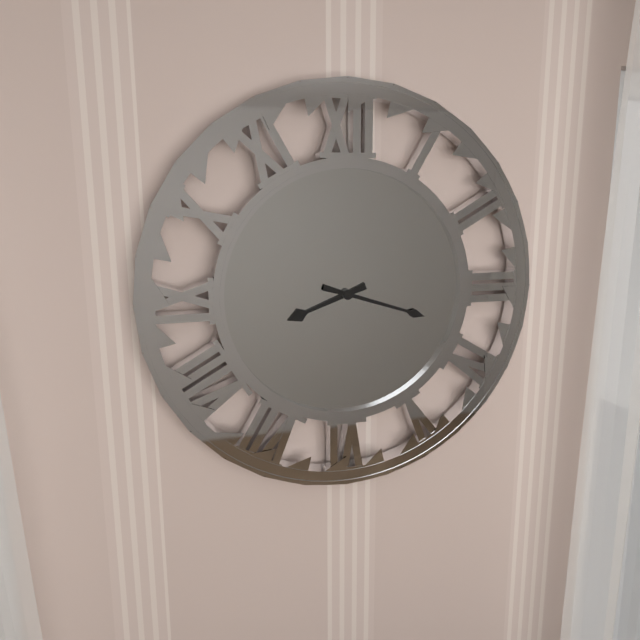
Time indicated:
8 h 18 min
